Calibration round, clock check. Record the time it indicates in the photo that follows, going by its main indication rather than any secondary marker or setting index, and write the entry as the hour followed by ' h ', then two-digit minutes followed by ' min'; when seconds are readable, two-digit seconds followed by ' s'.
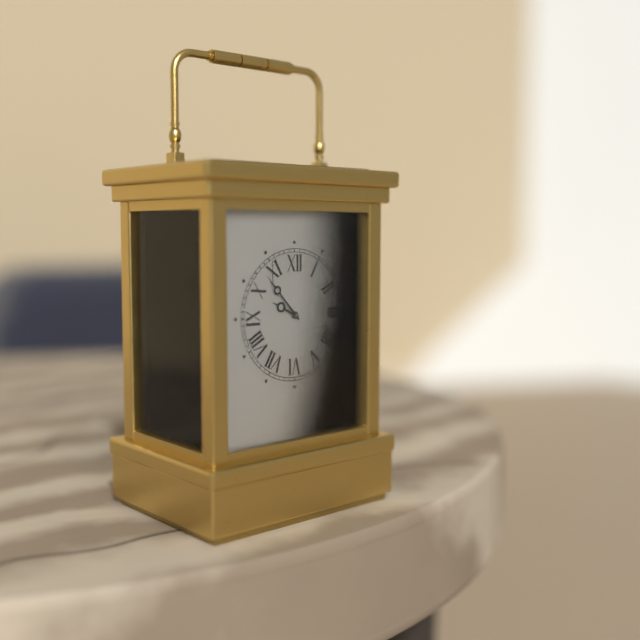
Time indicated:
9 h 53 min
